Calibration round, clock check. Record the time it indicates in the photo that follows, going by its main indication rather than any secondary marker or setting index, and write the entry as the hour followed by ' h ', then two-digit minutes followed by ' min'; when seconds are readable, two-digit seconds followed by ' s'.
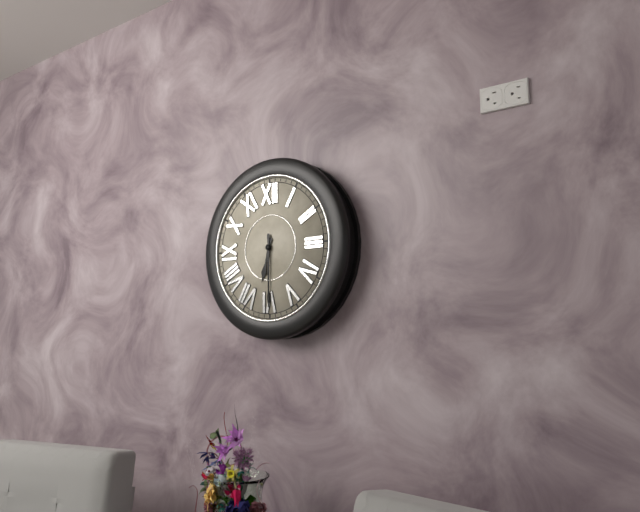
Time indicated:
6 h 30 min
